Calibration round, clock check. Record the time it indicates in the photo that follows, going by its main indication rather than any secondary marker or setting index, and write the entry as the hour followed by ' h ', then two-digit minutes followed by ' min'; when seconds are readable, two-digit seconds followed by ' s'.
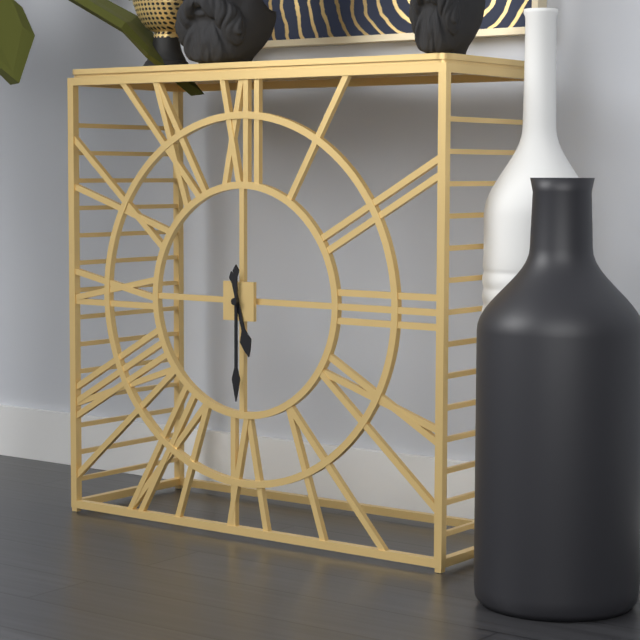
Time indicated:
5 h 30 min
